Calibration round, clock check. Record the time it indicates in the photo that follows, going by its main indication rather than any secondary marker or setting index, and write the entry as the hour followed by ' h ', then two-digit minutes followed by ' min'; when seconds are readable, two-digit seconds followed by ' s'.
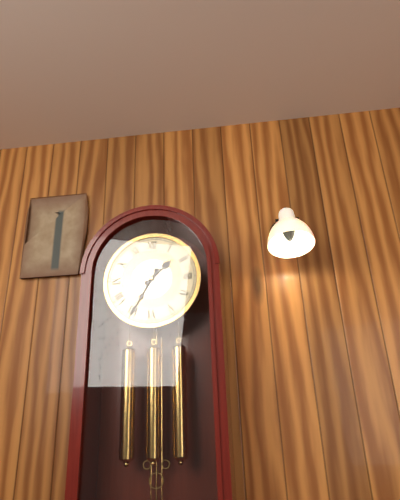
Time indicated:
1 h 35 min
